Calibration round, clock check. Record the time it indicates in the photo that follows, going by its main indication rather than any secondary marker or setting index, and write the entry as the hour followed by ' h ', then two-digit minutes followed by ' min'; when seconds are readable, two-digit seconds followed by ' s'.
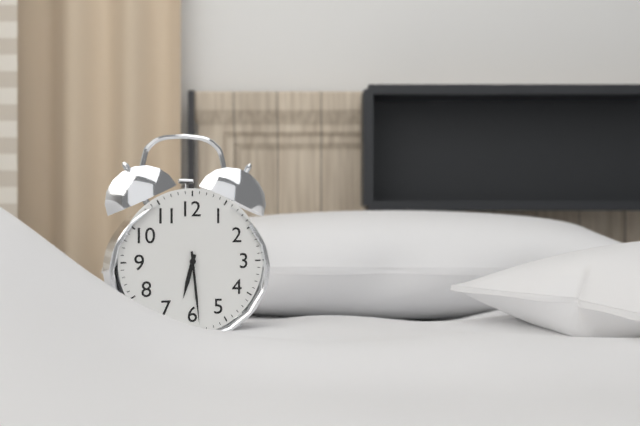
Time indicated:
6 h 29 min
